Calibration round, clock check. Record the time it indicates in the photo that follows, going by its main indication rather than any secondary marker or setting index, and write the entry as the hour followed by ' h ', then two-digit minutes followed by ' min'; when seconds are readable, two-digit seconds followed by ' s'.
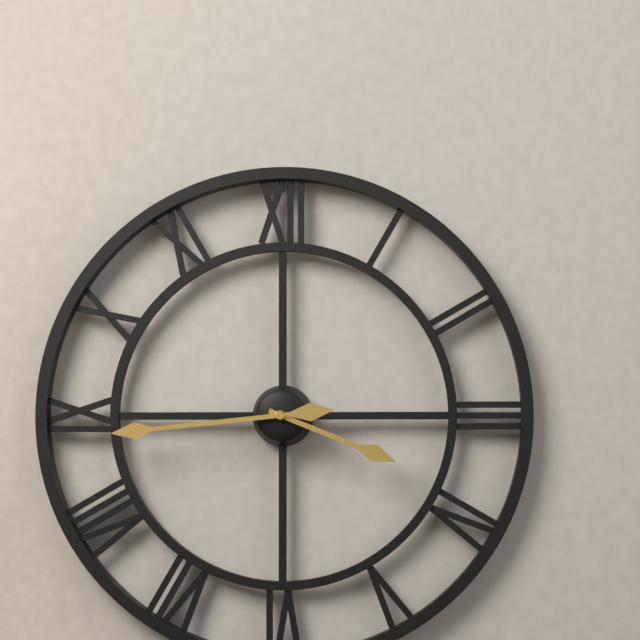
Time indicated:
3 h 44 min
